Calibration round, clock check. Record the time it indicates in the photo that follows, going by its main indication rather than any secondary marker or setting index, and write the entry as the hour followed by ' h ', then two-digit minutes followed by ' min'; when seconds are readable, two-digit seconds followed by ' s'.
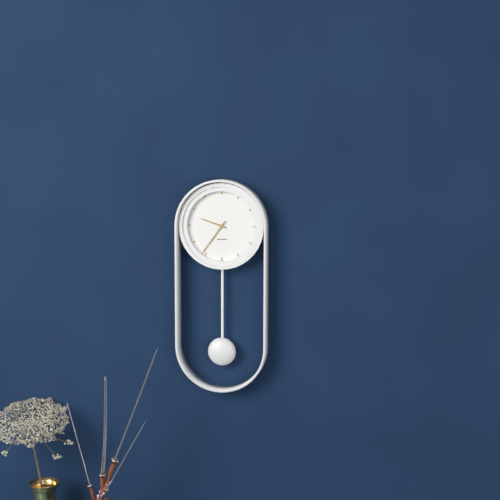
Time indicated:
9 h 36 min
